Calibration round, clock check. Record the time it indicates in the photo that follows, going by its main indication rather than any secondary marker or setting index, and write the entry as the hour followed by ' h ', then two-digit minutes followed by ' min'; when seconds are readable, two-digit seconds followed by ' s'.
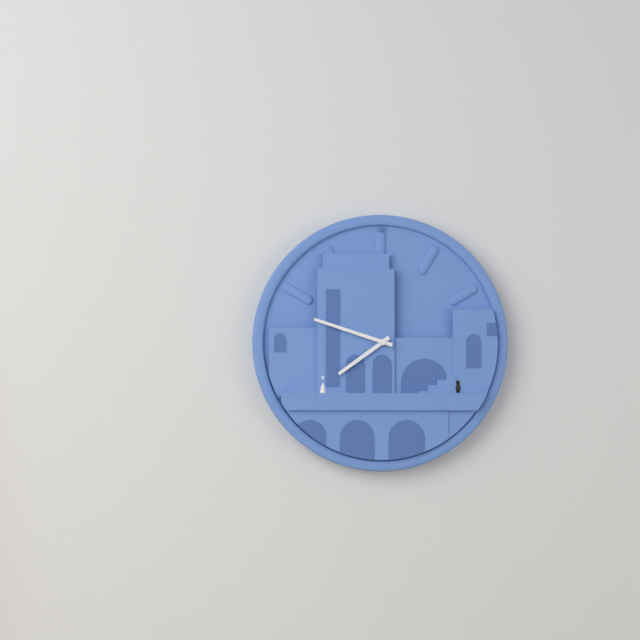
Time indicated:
7 h 48 min
